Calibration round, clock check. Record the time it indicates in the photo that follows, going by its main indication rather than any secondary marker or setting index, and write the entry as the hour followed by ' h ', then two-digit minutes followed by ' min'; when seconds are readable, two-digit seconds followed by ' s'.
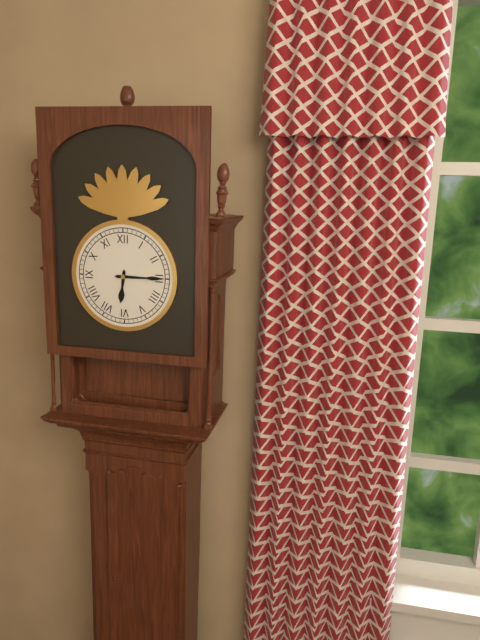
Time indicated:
6 h 15 min
